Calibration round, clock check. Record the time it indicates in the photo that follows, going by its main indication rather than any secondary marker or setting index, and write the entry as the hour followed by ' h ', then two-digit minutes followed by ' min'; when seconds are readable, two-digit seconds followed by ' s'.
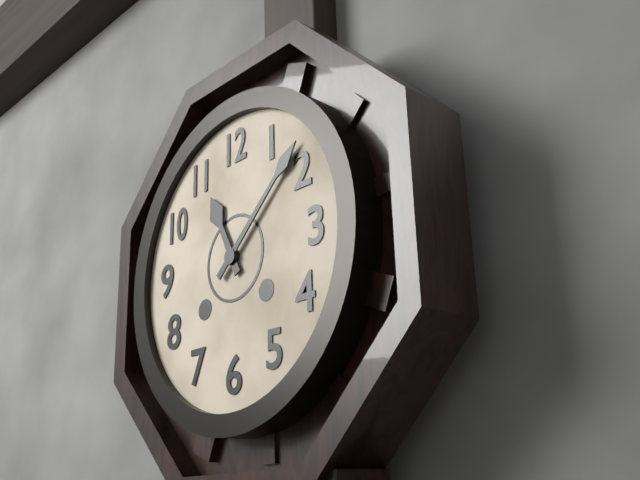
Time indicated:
11 h 08 min
